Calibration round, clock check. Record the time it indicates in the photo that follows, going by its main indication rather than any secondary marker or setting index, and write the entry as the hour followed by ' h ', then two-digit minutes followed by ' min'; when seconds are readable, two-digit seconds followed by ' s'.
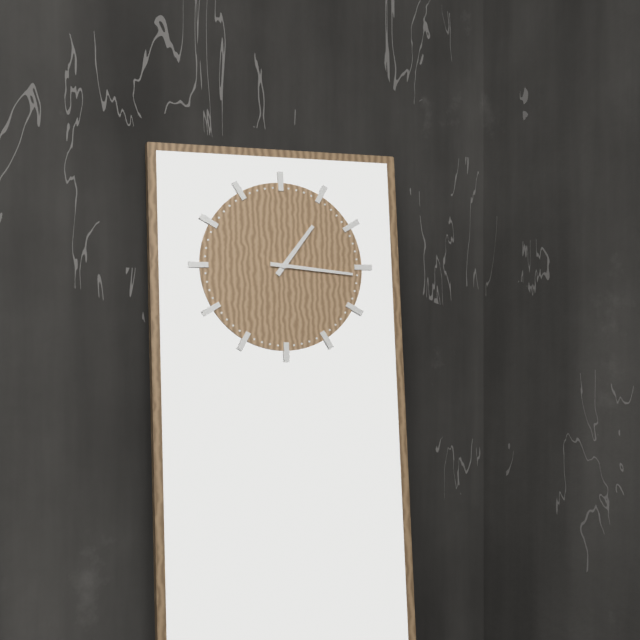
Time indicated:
1 h 16 min
